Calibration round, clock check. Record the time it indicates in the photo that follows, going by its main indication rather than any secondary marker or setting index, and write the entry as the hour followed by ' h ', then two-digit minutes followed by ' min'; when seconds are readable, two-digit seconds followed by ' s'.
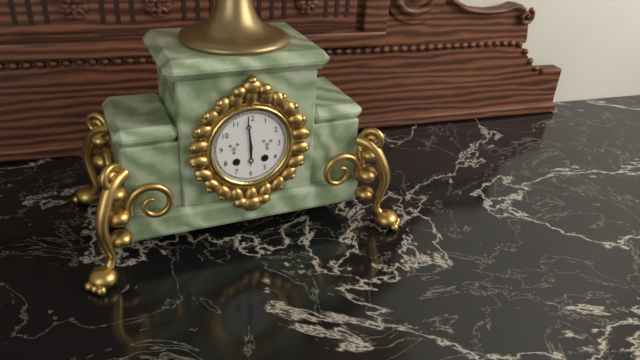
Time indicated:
5 h 59 min
